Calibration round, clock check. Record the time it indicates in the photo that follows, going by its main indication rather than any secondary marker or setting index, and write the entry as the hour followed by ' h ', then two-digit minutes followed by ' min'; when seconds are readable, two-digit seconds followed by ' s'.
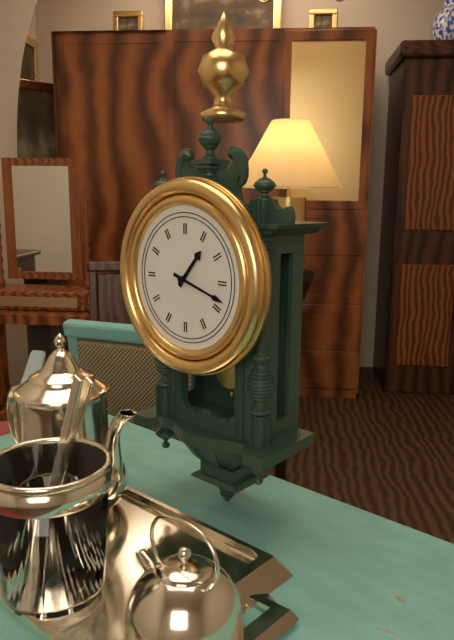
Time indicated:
1 h 18 min
